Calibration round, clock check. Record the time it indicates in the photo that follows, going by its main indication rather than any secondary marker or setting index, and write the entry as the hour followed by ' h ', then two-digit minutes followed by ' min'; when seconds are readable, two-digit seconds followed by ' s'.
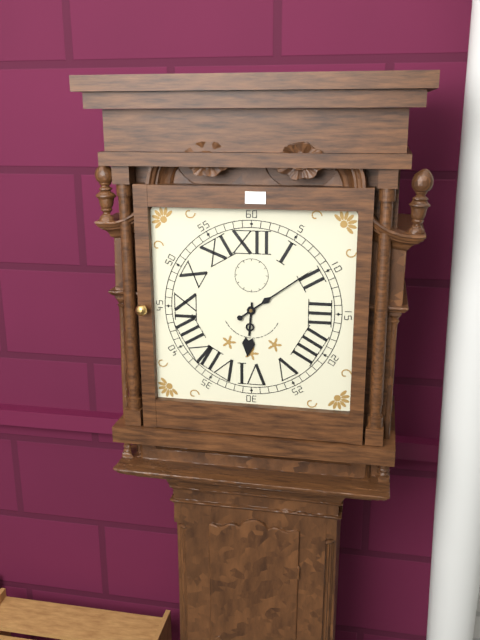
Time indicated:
6 h 09 min
